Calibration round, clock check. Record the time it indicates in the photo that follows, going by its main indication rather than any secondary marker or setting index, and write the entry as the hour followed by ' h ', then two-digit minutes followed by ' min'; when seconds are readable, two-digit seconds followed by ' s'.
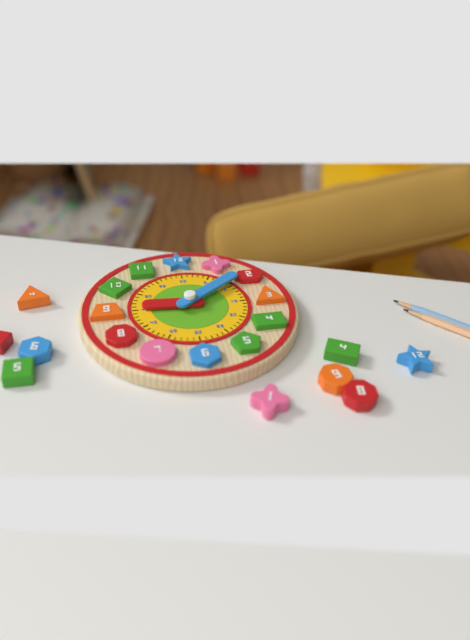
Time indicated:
9 h 09 min
